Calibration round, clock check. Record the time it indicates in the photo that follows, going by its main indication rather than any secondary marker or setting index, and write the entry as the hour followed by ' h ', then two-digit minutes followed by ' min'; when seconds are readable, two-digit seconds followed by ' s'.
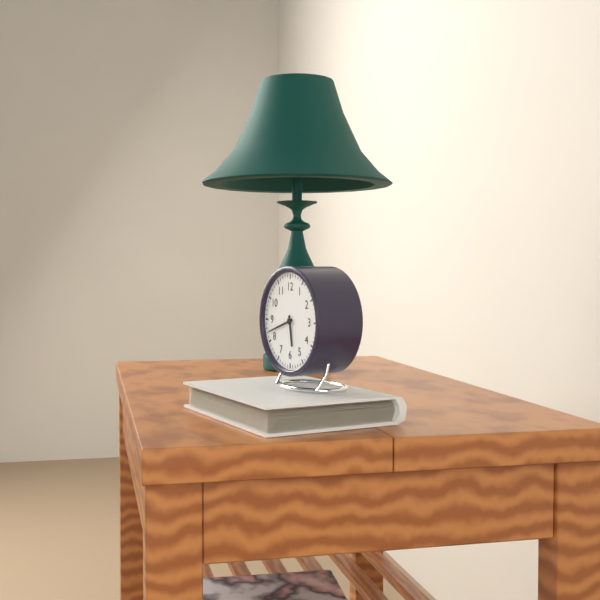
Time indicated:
5 h 42 min
